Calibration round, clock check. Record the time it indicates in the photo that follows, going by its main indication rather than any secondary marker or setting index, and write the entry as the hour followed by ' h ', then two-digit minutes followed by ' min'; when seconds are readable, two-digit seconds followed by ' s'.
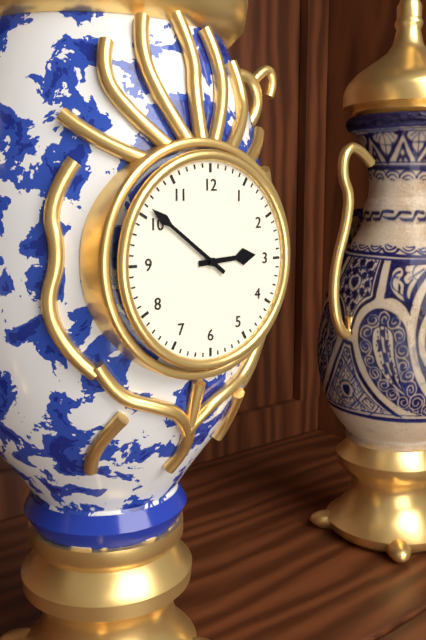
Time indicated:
2 h 51 min
